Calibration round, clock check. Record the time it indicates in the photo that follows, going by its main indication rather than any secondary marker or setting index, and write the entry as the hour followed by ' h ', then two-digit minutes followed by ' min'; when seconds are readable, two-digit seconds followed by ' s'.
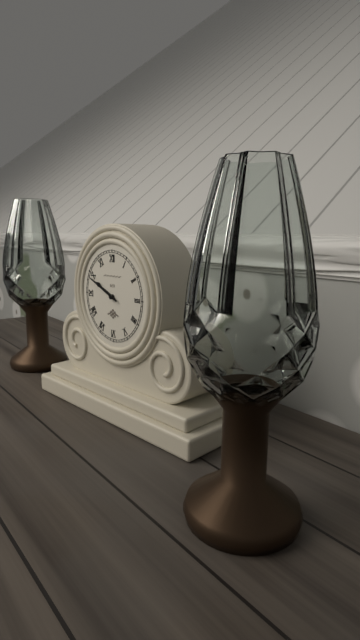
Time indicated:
9 h 49 min
